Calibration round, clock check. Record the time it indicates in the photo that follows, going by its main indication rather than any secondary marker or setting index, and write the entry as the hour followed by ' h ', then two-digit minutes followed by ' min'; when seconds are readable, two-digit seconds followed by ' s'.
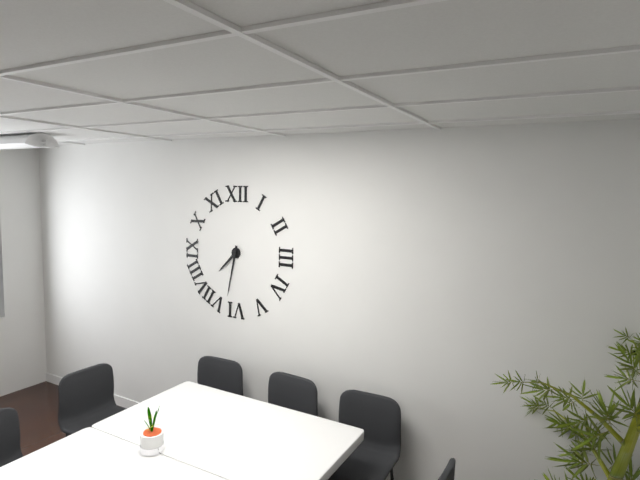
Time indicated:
7 h 32 min
